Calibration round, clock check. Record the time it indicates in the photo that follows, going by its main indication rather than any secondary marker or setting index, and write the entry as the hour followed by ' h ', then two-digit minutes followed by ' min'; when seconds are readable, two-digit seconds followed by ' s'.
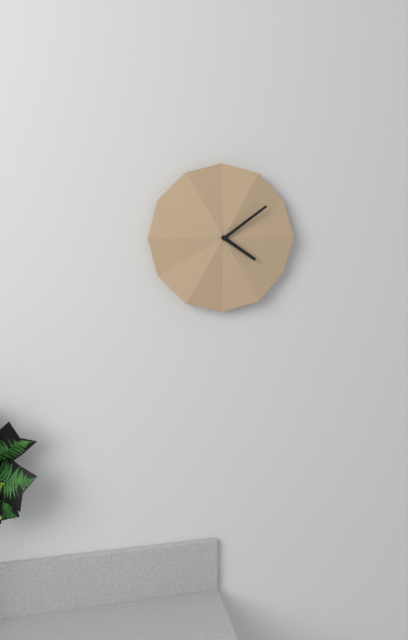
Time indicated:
4 h 09 min
